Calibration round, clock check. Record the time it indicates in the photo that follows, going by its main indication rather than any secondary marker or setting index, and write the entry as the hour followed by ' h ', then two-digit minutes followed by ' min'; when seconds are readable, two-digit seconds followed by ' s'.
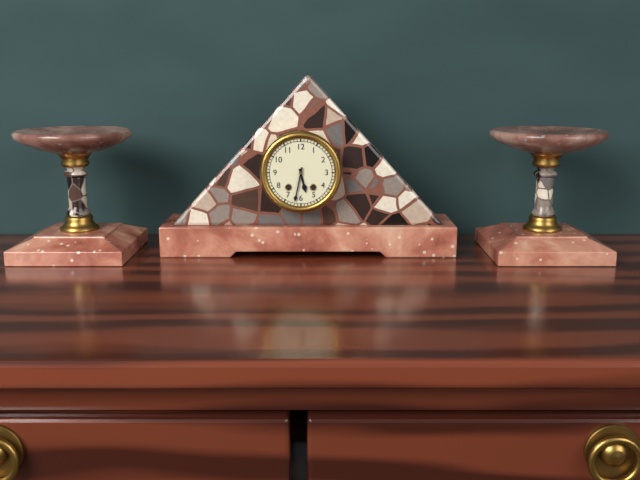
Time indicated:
5 h 32 min
